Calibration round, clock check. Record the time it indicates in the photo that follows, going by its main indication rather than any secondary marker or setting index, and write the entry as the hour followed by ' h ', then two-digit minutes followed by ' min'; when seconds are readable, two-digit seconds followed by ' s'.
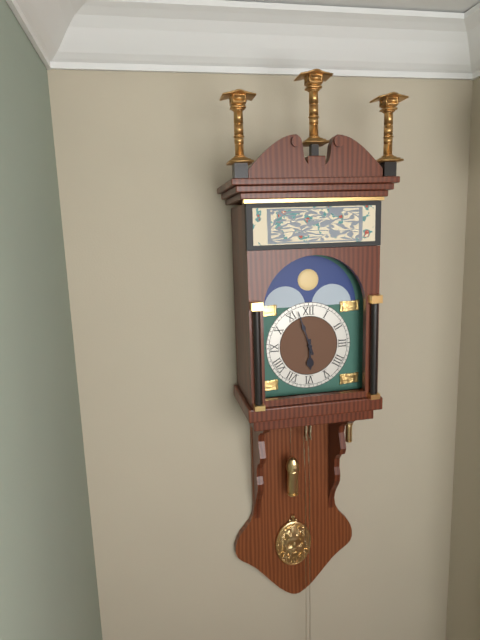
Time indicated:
5 h 57 min
